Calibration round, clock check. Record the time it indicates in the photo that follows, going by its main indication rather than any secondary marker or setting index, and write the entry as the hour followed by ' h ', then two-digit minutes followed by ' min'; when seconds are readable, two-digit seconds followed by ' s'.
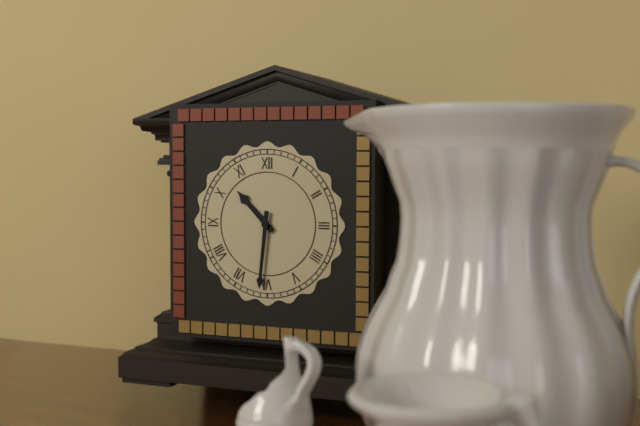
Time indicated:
10 h 31 min
